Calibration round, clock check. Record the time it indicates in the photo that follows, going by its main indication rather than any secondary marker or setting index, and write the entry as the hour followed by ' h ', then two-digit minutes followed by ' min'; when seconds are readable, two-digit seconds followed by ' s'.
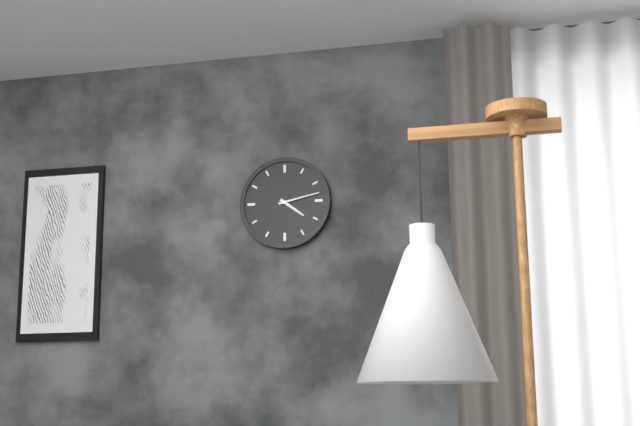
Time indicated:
4 h 13 min
